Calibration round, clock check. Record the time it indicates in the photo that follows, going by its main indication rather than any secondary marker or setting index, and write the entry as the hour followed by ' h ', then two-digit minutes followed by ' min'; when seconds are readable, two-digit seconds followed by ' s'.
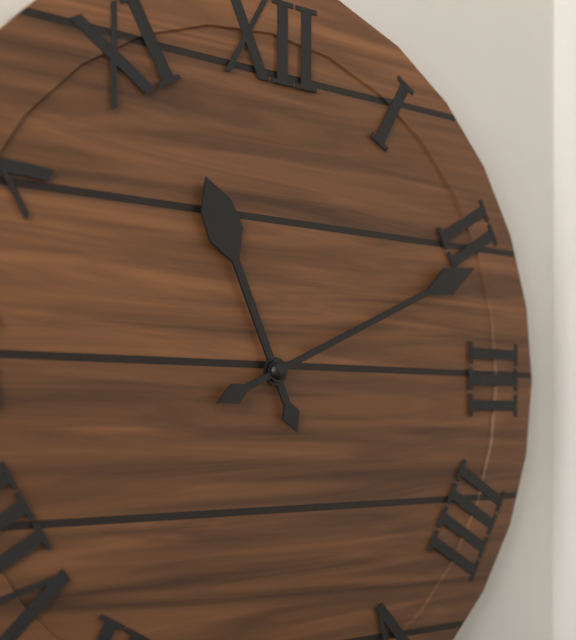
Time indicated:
11 h 11 min
